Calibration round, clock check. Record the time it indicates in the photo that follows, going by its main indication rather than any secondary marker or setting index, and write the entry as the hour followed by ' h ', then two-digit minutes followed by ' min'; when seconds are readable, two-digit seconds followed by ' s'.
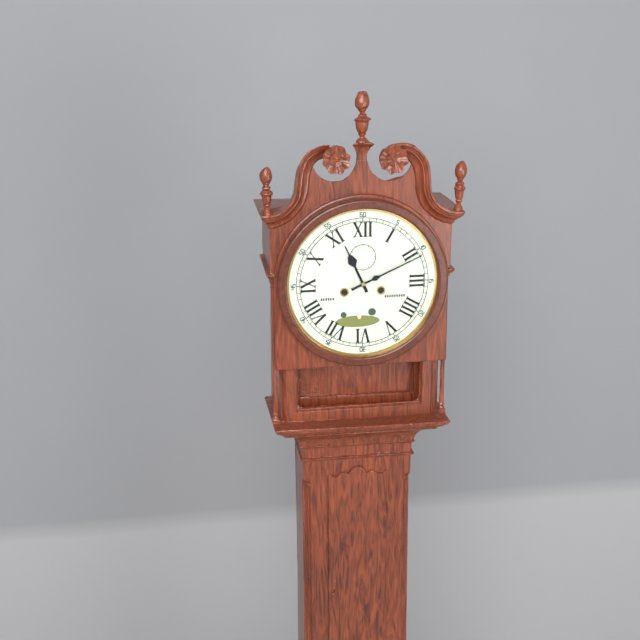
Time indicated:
11 h 11 min
